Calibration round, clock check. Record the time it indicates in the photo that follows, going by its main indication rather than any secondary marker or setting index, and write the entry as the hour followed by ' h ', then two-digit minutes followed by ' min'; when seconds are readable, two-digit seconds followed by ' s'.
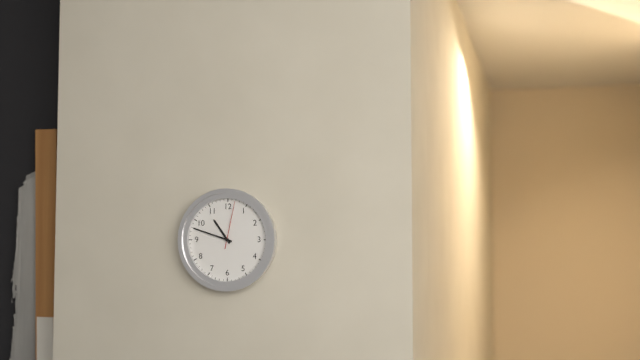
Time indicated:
10 h 48 min
